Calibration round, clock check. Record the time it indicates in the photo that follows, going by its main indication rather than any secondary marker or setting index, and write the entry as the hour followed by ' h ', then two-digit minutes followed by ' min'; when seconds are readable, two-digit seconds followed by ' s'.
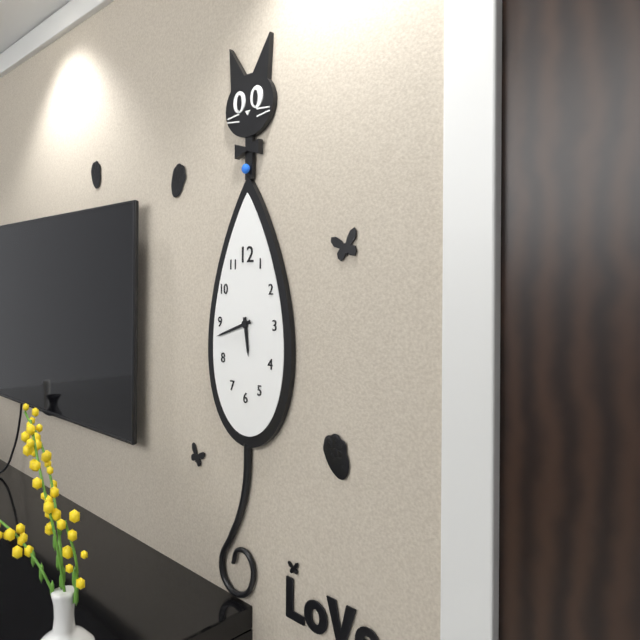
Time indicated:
5 h 42 min
